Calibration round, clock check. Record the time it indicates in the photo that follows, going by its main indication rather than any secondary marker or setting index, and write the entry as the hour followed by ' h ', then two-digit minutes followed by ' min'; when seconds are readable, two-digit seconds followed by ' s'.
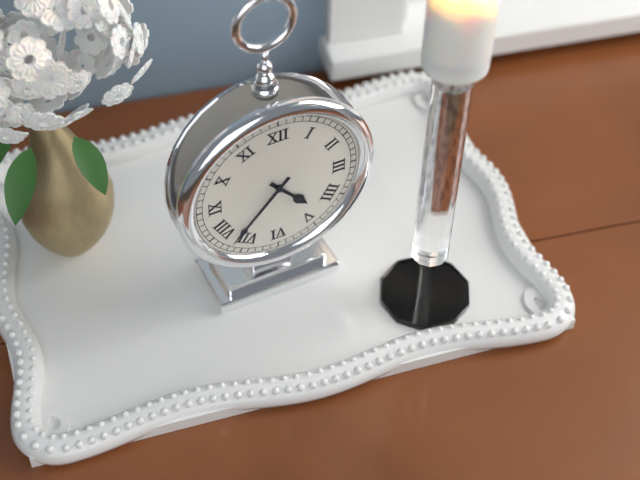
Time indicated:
4 h 37 min
